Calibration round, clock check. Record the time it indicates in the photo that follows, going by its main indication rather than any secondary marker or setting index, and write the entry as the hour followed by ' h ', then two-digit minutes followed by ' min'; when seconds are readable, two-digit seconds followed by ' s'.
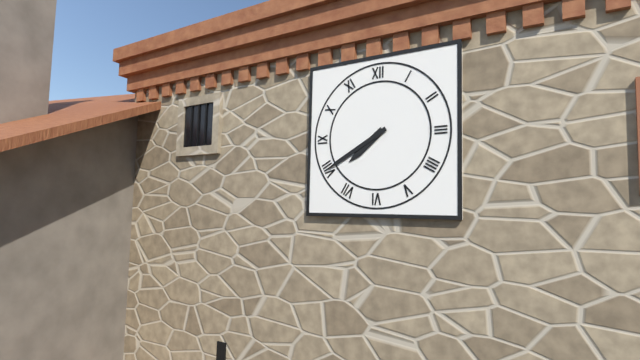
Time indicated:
7 h 40 min
